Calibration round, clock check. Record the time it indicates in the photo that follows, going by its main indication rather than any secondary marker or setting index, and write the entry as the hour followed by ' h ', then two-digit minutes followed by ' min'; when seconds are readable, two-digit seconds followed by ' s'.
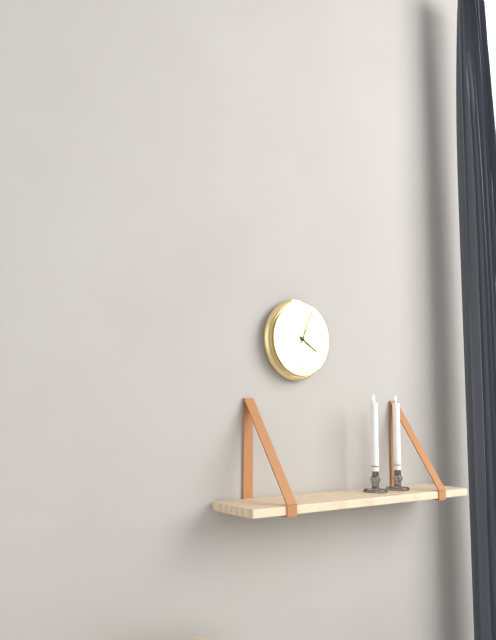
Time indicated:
4 h 04 min
